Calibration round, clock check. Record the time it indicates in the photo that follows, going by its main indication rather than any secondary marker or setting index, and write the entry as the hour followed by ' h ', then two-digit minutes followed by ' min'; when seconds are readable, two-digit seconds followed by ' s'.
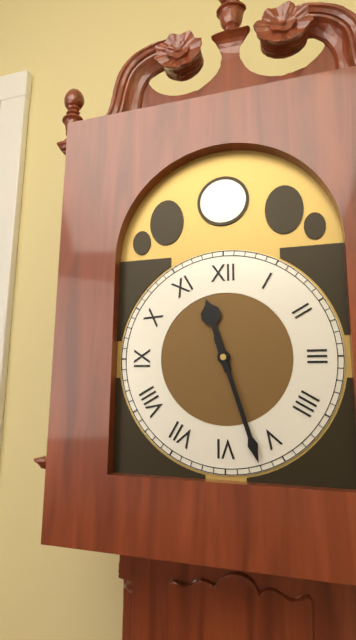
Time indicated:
11 h 27 min
